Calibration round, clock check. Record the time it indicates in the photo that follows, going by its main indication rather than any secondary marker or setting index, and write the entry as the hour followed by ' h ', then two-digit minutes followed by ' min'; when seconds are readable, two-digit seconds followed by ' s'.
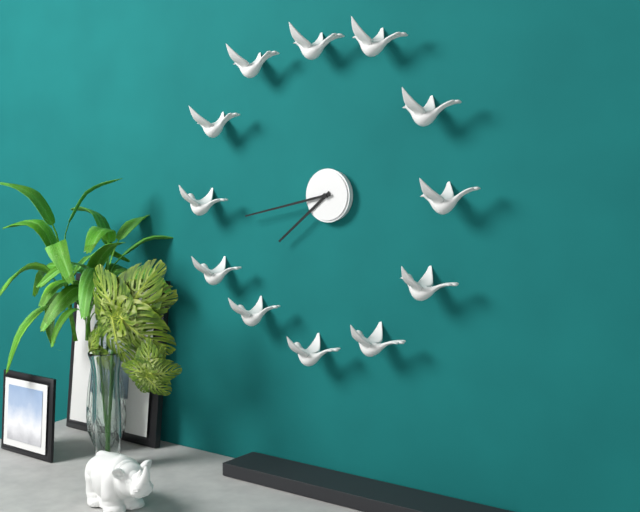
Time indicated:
7 h 43 min
